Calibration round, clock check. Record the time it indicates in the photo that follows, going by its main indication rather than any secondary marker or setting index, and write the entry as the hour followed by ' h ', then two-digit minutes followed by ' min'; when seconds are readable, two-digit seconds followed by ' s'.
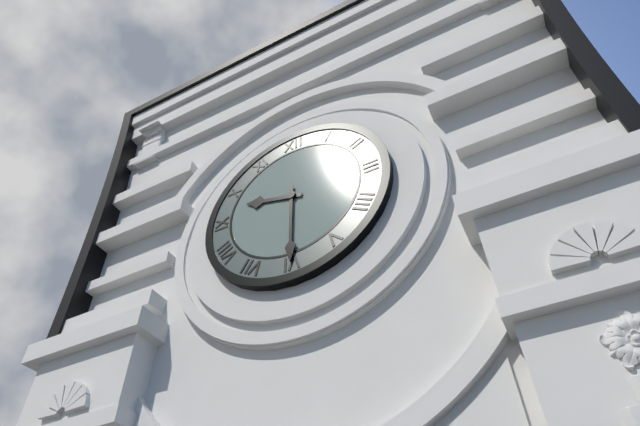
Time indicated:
9 h 30 min
